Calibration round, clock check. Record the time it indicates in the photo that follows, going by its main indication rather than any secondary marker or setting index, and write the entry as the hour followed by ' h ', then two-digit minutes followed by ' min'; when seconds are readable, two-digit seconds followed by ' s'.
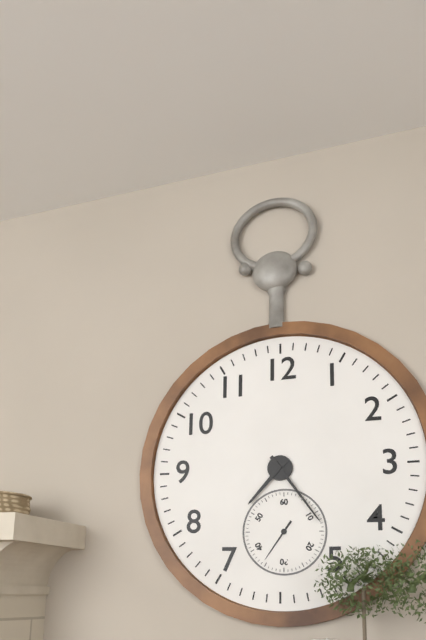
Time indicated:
7 h 24 min
